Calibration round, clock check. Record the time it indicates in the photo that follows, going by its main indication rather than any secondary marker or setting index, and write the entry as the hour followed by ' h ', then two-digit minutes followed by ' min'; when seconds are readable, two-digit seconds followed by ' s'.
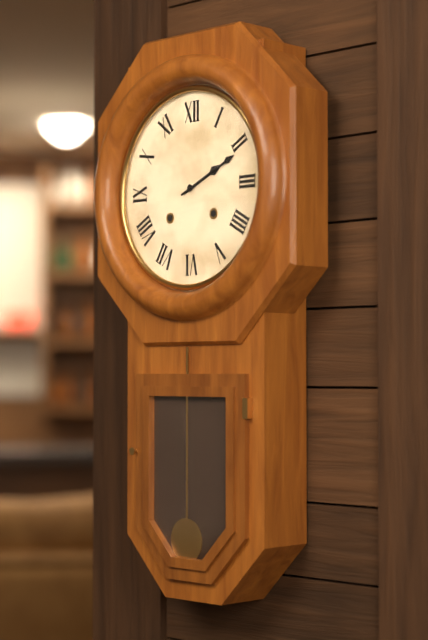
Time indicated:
2 h 11 min
